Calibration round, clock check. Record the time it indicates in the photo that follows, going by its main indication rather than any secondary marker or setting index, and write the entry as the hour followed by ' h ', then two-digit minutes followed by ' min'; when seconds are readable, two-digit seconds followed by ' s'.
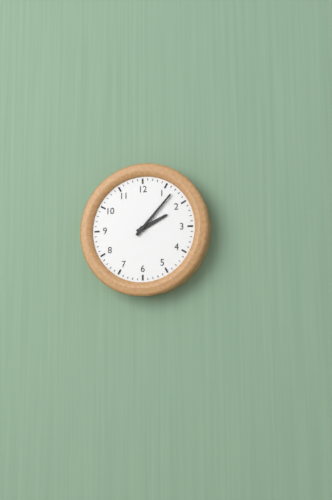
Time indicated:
2 h 07 min
